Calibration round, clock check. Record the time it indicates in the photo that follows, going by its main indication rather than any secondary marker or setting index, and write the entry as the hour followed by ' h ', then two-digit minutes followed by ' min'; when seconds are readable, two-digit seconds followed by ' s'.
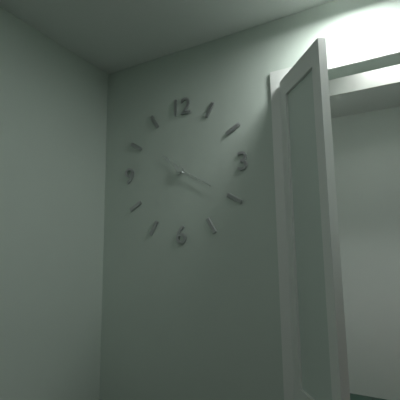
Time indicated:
10 h 20 min
